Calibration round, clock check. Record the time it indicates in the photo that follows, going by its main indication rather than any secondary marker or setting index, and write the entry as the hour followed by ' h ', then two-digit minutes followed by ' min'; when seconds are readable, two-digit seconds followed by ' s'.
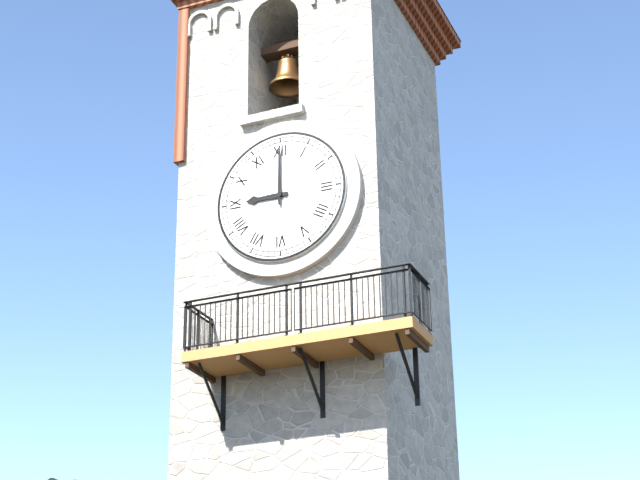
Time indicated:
9 h 00 min
